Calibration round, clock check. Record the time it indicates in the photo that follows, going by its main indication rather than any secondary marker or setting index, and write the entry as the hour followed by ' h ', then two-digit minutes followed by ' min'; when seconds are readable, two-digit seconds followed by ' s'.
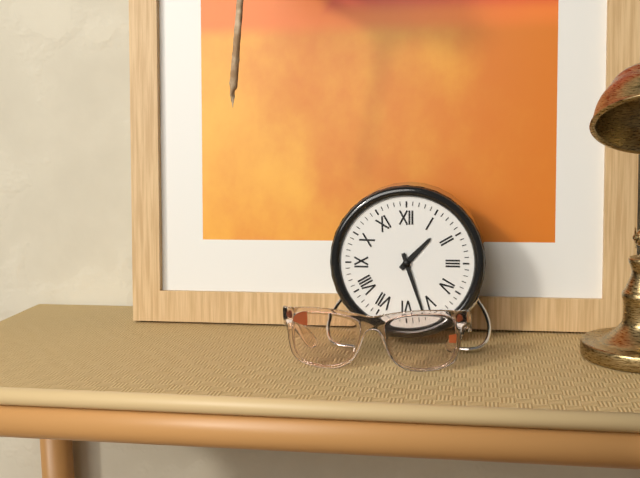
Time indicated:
1 h 27 min
